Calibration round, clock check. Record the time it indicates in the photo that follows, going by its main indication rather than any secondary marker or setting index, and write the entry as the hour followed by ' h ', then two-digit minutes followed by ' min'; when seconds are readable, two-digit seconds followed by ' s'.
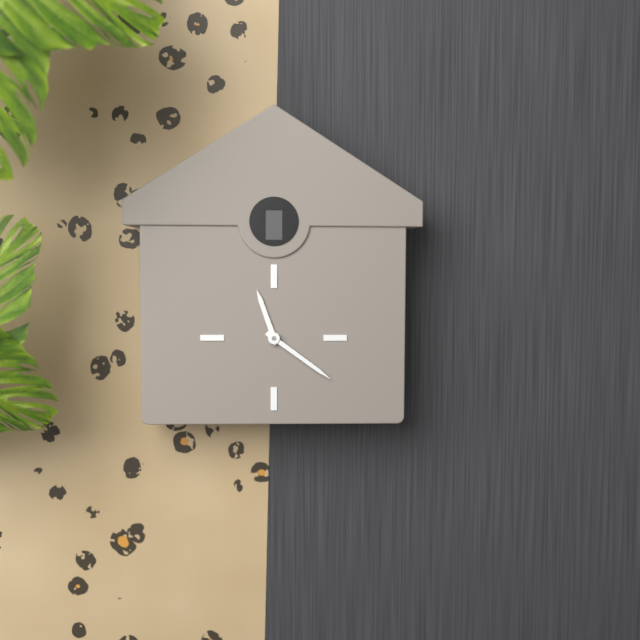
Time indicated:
11 h 21 min
